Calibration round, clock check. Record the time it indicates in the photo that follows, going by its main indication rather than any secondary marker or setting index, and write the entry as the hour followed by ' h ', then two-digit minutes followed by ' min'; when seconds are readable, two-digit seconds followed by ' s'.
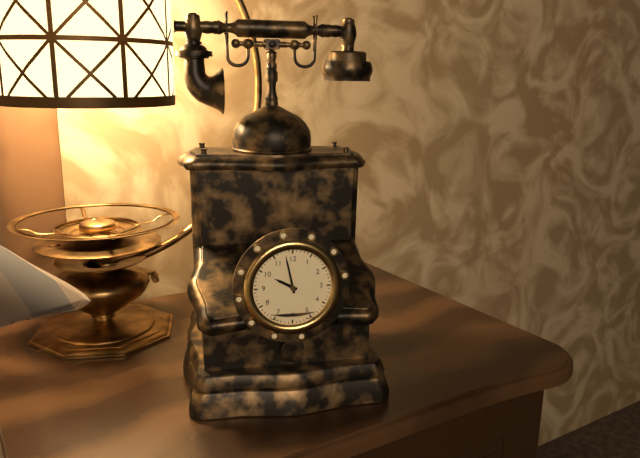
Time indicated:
9 h 58 min
